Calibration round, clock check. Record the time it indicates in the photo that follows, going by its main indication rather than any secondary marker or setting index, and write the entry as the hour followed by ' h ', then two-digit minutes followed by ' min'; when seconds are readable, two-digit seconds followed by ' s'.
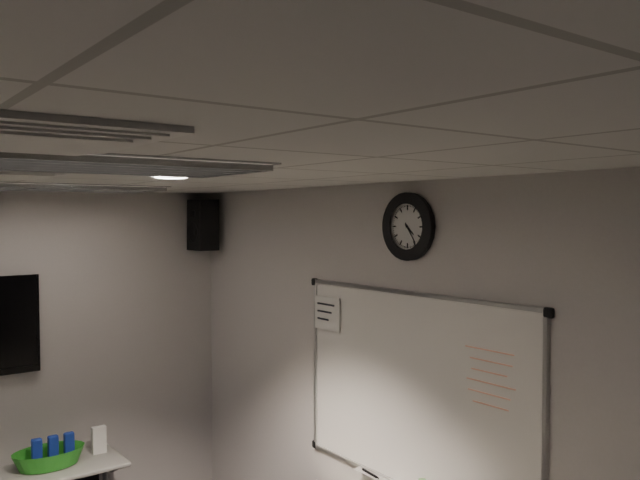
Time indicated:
4 h 24 min
